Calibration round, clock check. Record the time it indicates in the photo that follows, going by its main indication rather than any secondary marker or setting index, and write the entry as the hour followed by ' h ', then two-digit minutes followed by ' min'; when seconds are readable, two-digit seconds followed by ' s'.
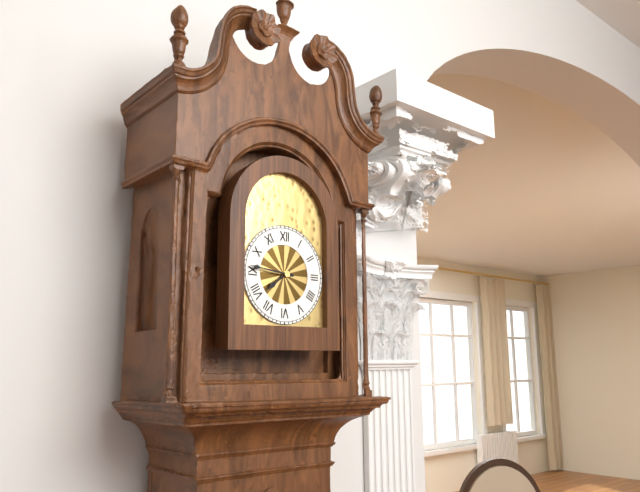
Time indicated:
7 h 46 min
